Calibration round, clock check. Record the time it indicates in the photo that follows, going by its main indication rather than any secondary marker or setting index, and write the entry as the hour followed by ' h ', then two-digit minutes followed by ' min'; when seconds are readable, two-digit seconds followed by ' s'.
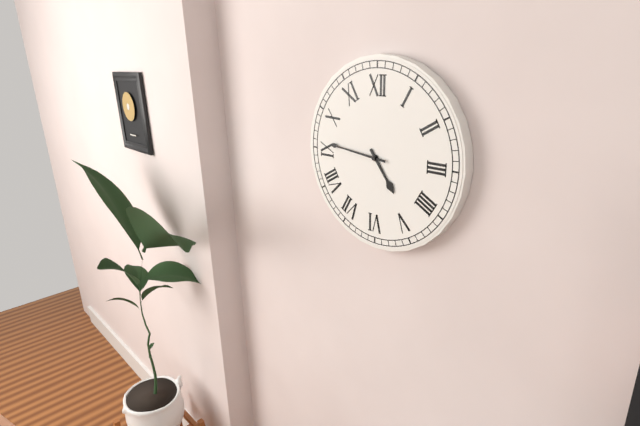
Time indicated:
4 h 46 min
